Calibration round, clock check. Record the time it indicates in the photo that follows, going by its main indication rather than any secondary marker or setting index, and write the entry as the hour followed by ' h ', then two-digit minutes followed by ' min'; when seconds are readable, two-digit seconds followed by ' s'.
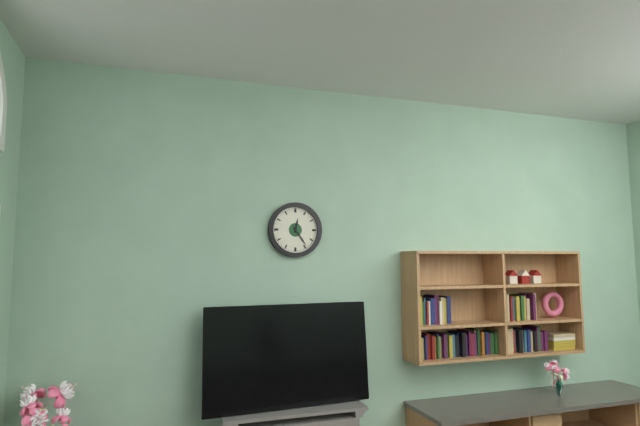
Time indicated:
12 h 24 min
